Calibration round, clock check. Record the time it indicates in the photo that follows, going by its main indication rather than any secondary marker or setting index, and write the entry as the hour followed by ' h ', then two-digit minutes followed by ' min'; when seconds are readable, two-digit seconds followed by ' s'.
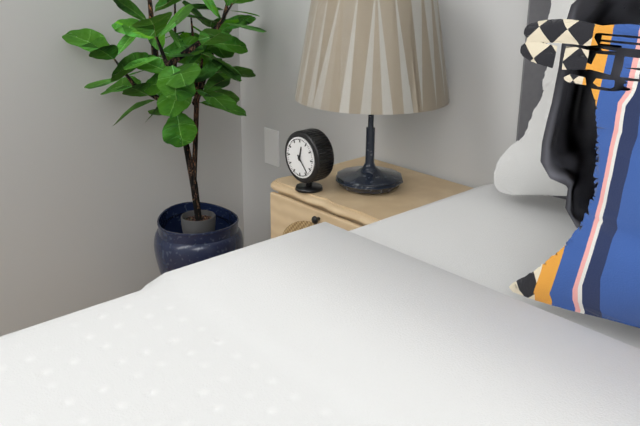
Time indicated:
12 h 23 min
